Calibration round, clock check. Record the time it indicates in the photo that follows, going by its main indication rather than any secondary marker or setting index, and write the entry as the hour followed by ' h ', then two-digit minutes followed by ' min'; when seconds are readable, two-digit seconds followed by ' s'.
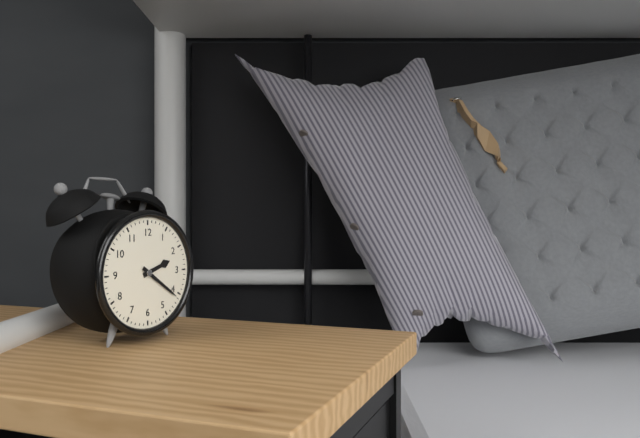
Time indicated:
2 h 21 min
